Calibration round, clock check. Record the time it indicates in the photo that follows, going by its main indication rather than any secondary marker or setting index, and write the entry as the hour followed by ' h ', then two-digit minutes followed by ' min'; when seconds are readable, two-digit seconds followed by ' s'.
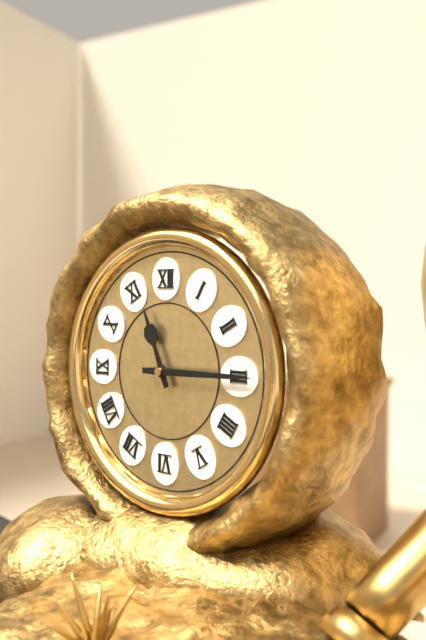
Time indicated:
11 h 15 min
